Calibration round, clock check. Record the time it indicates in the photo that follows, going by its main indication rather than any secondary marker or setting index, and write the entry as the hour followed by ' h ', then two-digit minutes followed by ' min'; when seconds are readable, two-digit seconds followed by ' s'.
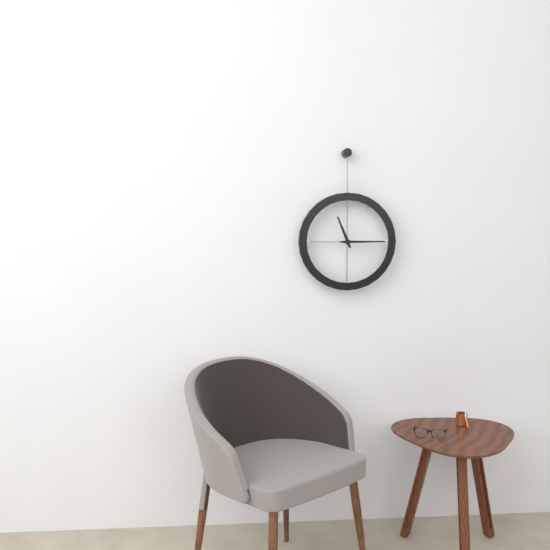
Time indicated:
11 h 15 min
